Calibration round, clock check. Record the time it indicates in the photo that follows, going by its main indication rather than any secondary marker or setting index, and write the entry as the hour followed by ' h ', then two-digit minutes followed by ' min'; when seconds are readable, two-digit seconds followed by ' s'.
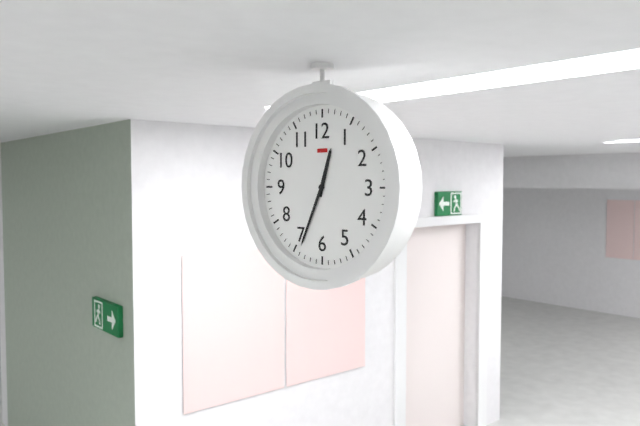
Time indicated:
12 h 34 min
